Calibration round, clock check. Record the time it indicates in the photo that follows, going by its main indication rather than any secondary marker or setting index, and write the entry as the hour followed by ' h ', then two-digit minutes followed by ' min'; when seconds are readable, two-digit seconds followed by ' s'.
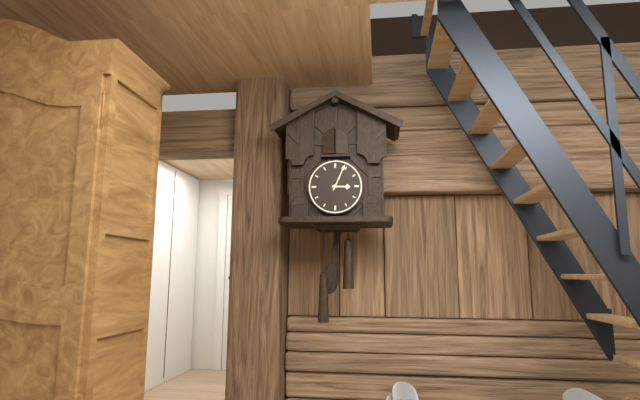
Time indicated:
3 h 04 min
